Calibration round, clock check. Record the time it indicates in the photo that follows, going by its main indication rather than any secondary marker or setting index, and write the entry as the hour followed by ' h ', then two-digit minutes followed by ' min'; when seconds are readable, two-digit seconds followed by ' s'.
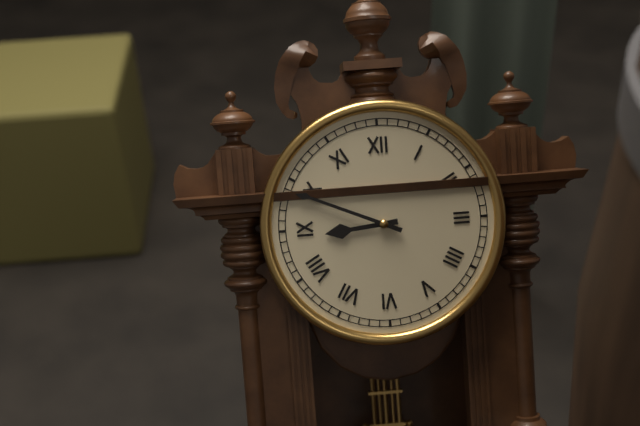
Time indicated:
8 h 49 min
